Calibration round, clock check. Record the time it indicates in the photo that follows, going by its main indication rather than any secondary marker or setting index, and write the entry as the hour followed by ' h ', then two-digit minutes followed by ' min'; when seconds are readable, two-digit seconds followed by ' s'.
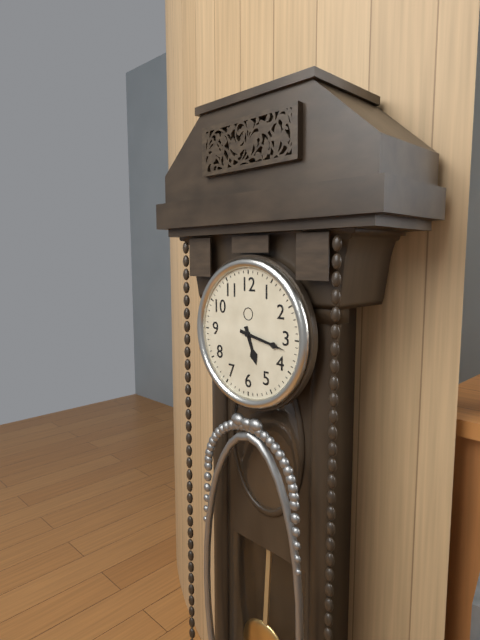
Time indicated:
5 h 17 min
